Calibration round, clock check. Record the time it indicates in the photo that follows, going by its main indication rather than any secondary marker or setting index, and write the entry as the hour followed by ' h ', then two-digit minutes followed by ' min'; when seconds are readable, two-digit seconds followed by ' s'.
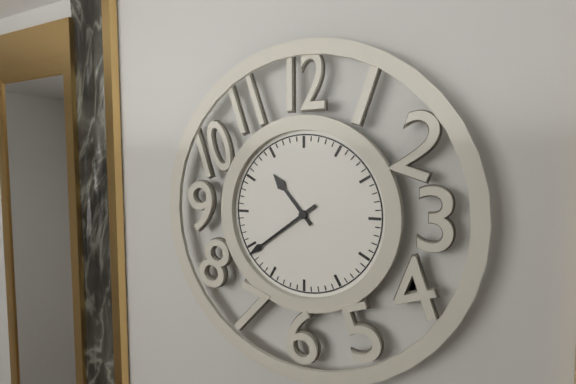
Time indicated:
10 h 39 min
